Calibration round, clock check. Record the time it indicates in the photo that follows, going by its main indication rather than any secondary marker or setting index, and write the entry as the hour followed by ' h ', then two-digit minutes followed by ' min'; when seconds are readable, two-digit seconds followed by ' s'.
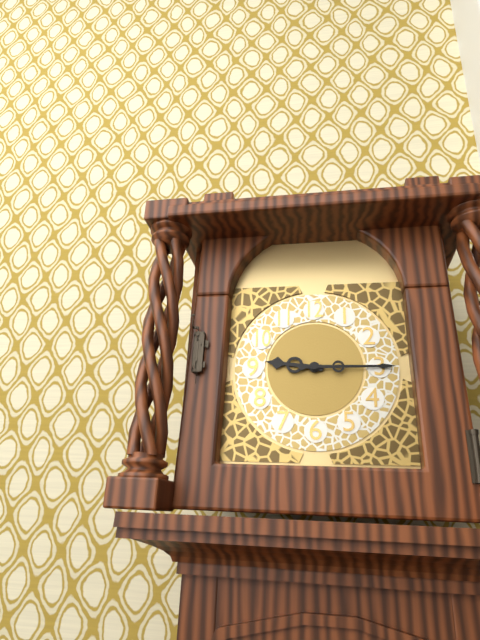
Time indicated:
9 h 15 min
